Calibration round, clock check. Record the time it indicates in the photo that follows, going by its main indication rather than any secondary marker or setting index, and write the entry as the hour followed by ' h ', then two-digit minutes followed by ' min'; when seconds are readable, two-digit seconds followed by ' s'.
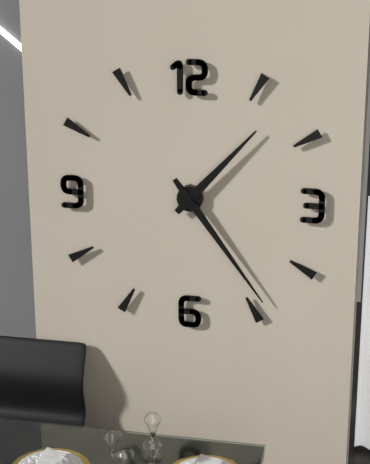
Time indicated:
1 h 24 min
